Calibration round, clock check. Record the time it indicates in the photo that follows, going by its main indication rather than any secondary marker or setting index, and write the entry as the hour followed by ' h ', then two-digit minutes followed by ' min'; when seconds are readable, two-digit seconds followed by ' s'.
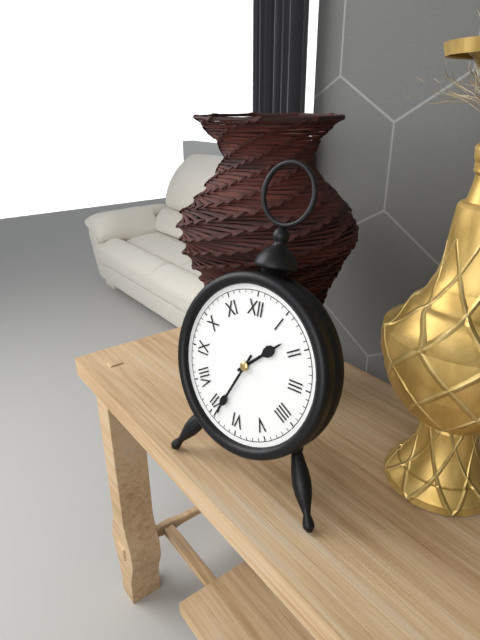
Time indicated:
1 h 34 min
